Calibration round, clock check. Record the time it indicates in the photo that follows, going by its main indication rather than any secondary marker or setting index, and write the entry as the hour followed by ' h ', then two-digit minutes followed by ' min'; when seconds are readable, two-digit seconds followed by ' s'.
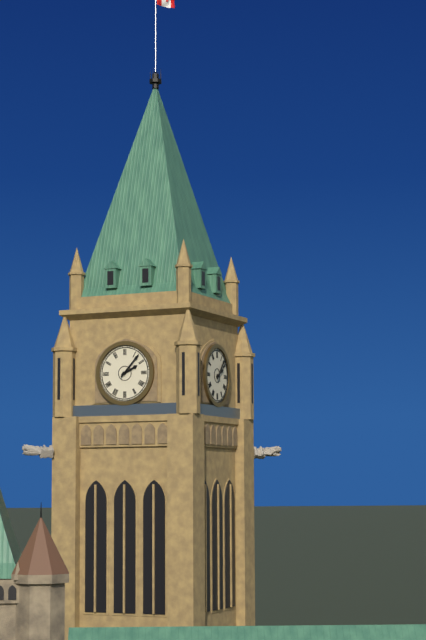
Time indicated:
2 h 07 min
